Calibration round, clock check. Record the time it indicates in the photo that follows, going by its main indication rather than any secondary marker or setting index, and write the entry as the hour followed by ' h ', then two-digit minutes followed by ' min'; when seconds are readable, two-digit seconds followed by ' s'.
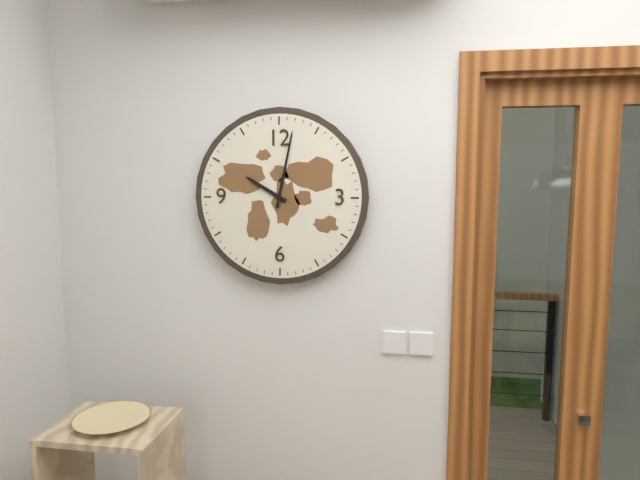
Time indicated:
10 h 02 min
